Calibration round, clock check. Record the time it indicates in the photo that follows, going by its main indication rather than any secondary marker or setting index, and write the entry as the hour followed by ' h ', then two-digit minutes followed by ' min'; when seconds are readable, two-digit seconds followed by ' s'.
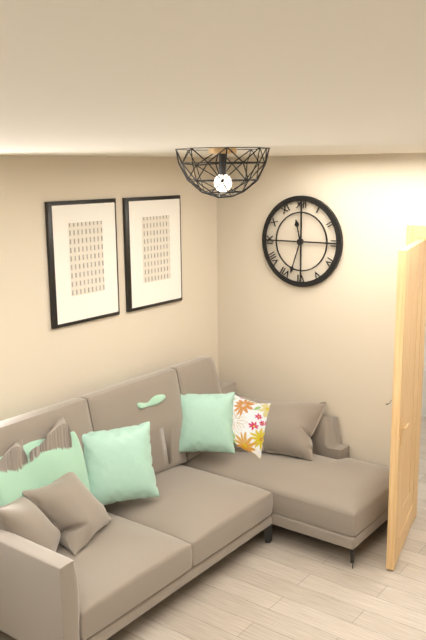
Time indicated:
11 h 33 min
